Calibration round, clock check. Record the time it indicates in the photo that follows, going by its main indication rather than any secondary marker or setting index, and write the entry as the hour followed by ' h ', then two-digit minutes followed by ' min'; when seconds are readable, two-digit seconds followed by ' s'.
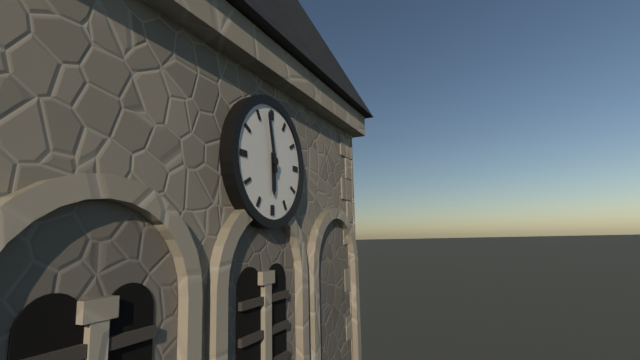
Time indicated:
5 h 58 min
